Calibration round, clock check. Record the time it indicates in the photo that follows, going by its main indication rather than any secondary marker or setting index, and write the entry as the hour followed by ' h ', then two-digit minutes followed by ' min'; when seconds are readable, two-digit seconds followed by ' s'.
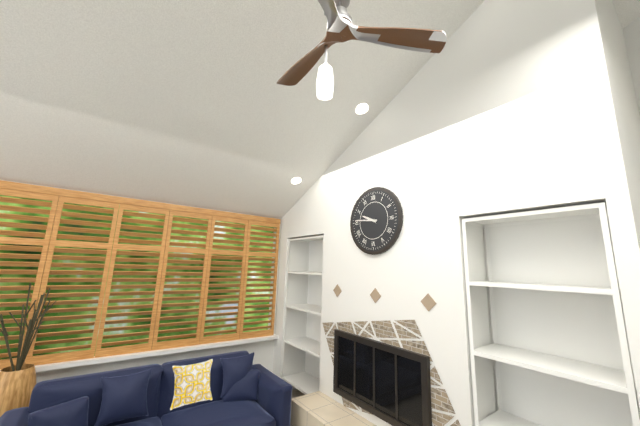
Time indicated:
9 h 46 min
